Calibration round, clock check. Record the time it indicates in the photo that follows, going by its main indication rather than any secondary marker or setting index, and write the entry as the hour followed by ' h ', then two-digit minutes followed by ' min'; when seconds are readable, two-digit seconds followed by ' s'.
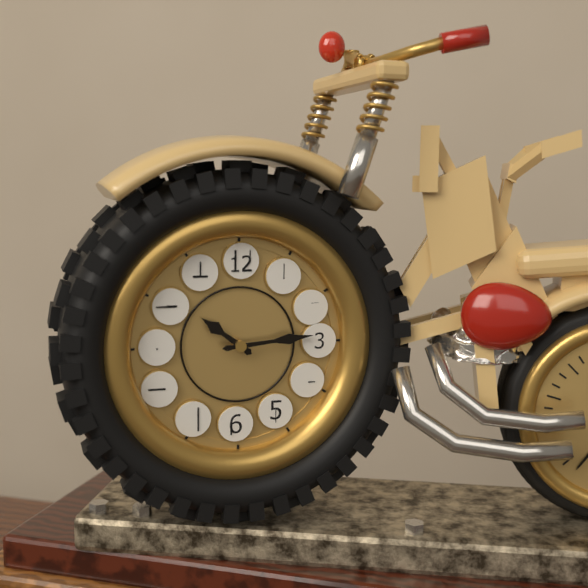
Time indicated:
10 h 14 min
